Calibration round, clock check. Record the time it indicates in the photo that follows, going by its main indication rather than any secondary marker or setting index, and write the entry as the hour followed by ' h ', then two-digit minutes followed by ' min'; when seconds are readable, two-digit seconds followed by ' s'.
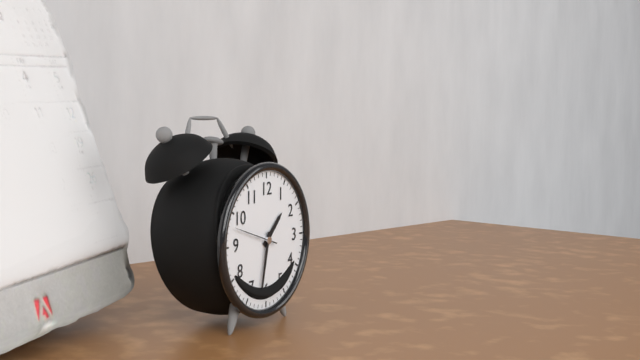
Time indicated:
1 h 32 min
